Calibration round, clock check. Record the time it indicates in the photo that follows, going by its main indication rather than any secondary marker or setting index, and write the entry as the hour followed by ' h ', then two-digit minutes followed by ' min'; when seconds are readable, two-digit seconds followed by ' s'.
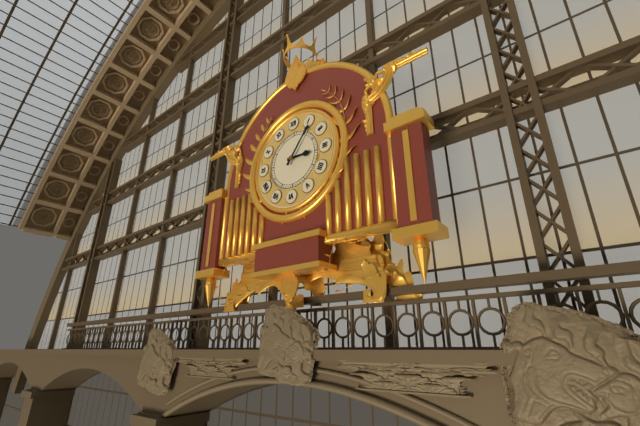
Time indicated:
3 h 06 min
